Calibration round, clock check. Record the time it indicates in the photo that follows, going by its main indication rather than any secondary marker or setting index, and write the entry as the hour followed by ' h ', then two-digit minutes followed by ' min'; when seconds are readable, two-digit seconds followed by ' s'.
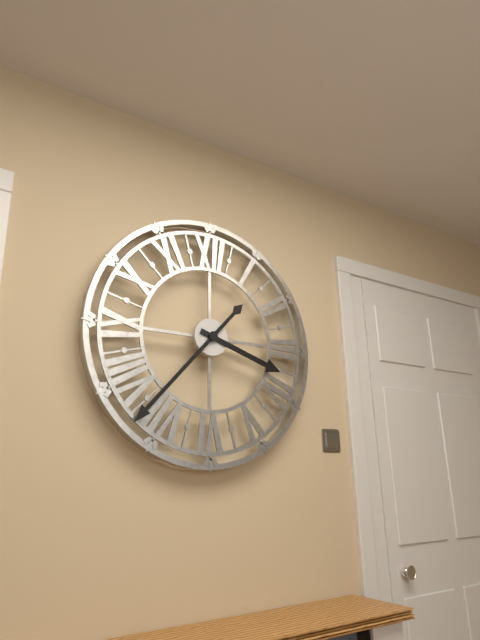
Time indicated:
3 h 37 min
